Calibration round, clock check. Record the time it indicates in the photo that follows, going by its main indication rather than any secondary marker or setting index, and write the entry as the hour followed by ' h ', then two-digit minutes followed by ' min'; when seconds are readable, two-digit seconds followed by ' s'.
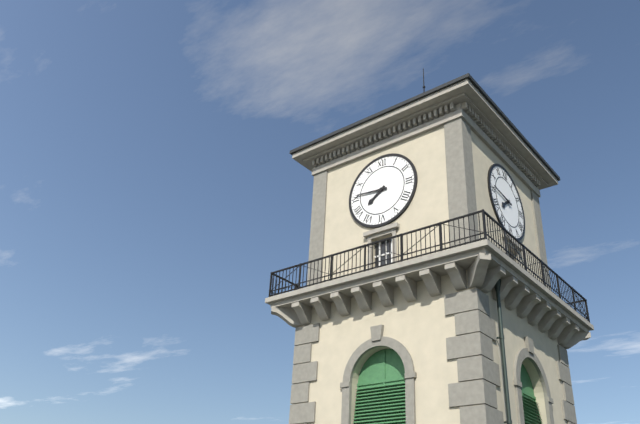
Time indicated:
7 h 46 min
